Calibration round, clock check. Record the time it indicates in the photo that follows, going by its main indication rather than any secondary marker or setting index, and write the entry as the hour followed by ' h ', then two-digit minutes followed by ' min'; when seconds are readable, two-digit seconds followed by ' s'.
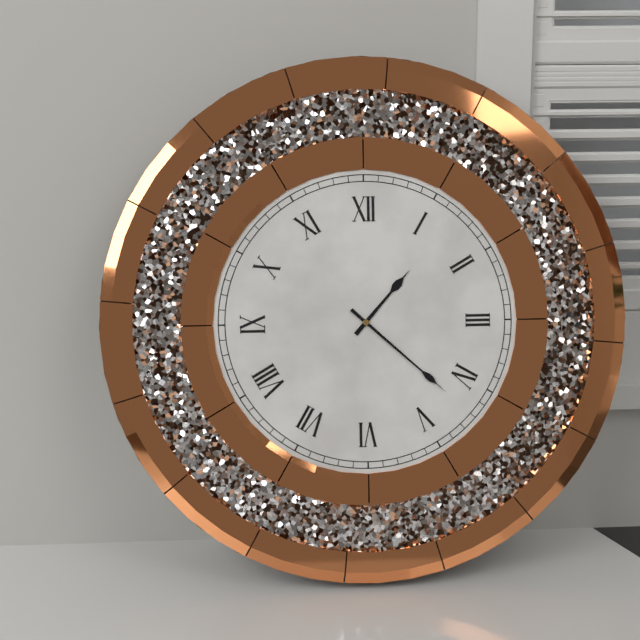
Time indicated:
1 h 22 min
